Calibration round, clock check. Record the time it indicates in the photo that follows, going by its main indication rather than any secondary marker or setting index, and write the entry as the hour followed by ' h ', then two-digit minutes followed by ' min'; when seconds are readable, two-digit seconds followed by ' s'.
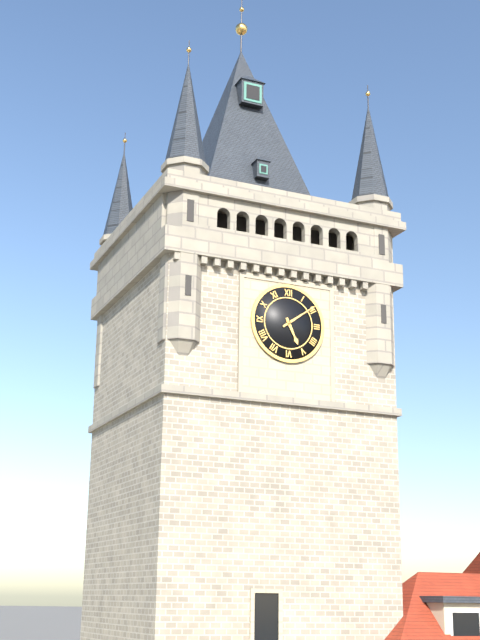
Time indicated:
5 h 09 min
